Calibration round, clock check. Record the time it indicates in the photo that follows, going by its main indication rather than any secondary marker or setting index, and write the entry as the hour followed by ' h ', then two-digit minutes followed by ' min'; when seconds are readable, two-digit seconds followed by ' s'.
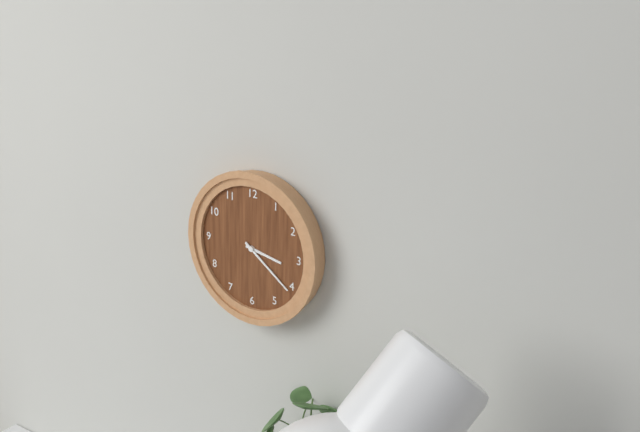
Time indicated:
3 h 21 min
